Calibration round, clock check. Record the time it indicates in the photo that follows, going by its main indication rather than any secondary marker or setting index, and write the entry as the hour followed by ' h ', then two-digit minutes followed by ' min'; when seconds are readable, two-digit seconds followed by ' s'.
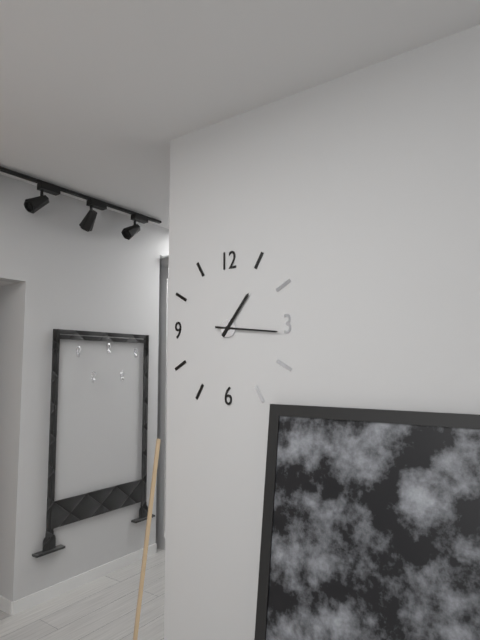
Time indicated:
1 h 16 min
